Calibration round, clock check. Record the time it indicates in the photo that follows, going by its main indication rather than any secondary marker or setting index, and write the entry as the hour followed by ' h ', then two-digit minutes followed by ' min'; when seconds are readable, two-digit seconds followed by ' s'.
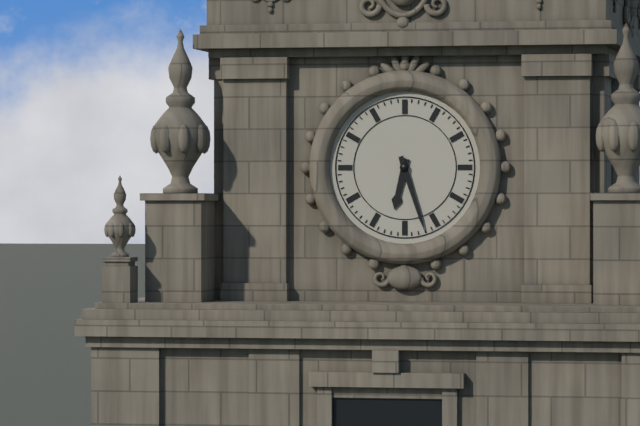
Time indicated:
6 h 27 min
